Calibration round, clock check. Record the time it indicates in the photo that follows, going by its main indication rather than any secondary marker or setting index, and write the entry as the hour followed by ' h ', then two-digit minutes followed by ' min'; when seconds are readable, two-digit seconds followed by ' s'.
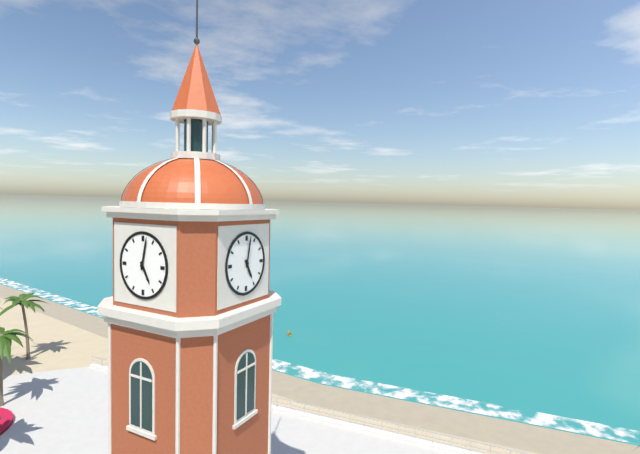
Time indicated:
5 h 02 min
